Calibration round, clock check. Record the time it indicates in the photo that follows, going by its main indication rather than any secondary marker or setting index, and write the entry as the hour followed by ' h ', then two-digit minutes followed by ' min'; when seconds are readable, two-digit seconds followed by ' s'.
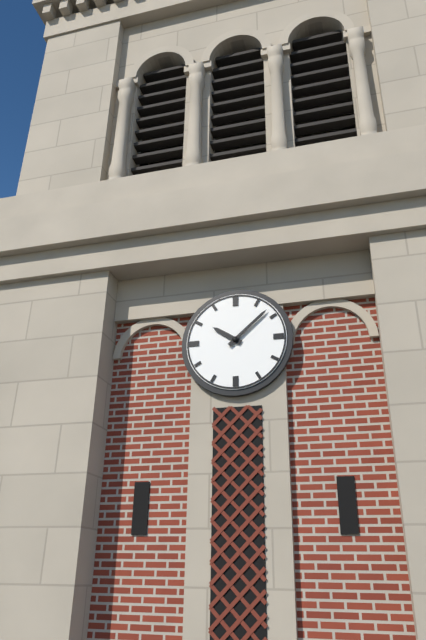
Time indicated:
10 h 08 min
